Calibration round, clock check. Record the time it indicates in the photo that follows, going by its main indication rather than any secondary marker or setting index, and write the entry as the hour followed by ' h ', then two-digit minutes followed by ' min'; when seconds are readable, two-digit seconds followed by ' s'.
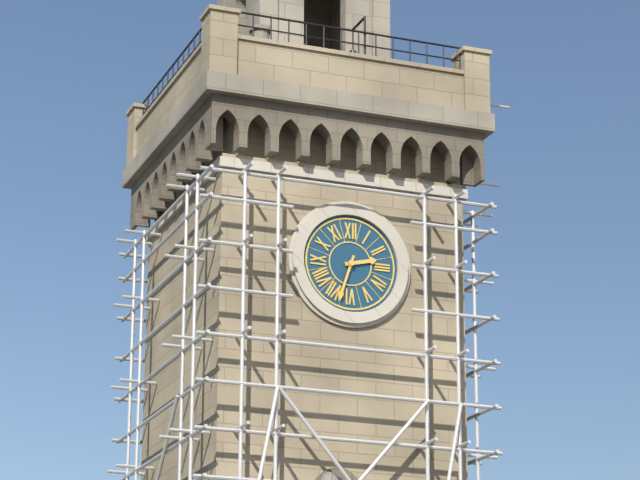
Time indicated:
2 h 33 min
